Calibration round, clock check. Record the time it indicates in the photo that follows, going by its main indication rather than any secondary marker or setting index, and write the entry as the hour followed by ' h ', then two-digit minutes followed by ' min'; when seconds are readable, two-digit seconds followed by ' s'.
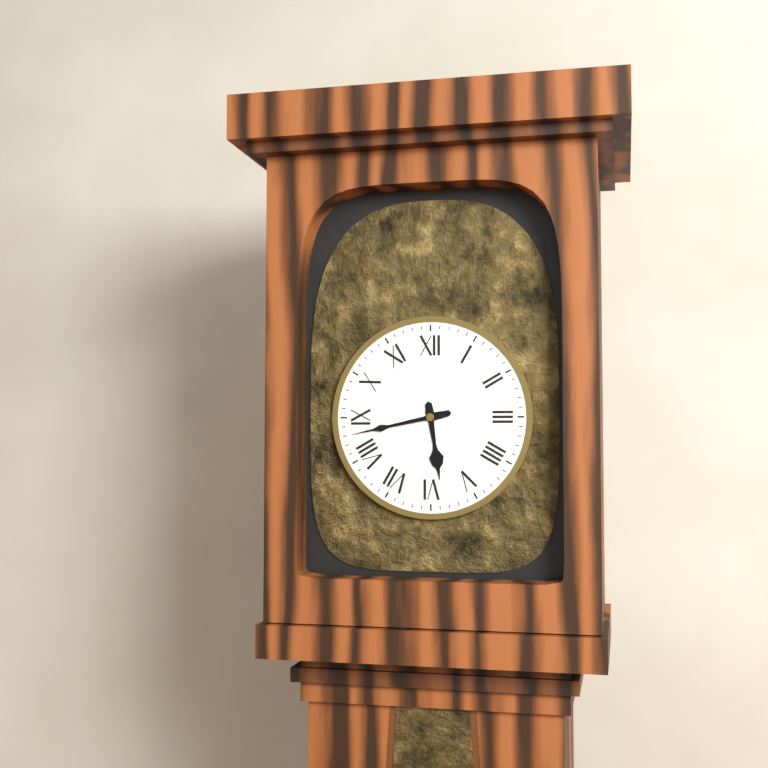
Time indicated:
5 h 43 min
